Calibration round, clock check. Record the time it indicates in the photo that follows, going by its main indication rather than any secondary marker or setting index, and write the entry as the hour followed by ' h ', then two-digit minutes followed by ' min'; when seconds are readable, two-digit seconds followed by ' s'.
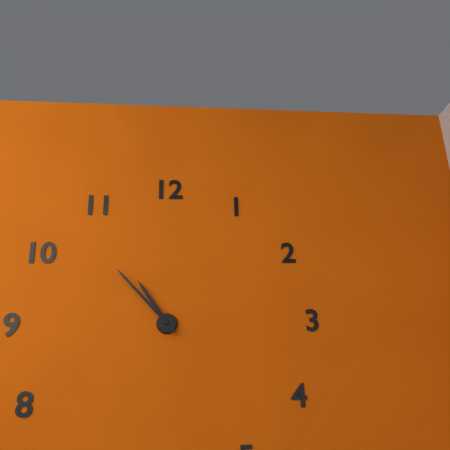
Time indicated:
10 h 53 min
